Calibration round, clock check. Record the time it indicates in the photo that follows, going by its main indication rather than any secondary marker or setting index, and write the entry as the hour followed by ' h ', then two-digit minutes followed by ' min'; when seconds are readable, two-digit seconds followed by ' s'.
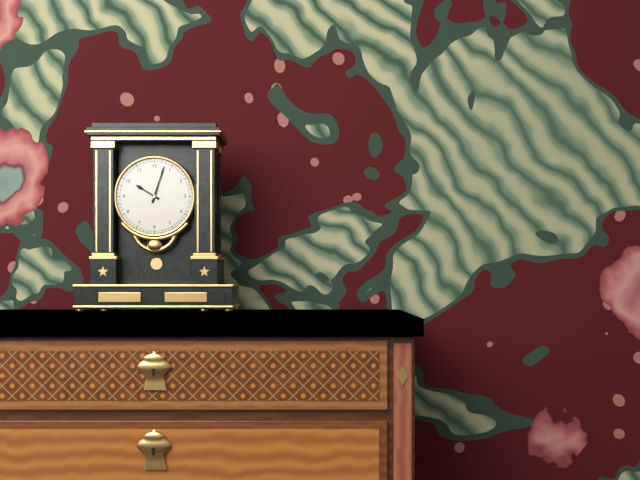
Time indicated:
10 h 03 min
